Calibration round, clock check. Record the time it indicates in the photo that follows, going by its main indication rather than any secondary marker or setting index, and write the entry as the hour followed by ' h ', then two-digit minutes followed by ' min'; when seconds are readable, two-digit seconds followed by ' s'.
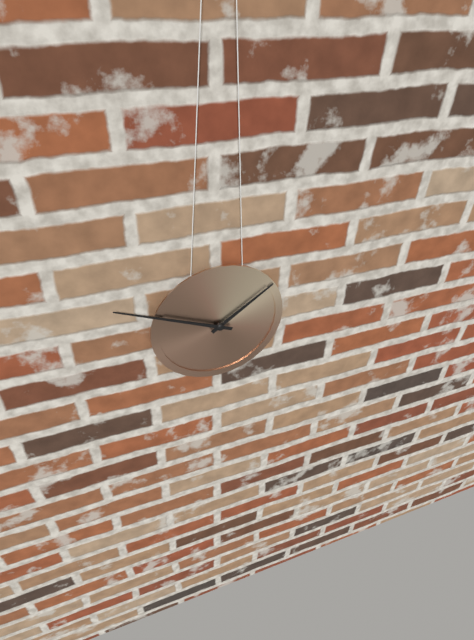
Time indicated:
1 h 49 min
